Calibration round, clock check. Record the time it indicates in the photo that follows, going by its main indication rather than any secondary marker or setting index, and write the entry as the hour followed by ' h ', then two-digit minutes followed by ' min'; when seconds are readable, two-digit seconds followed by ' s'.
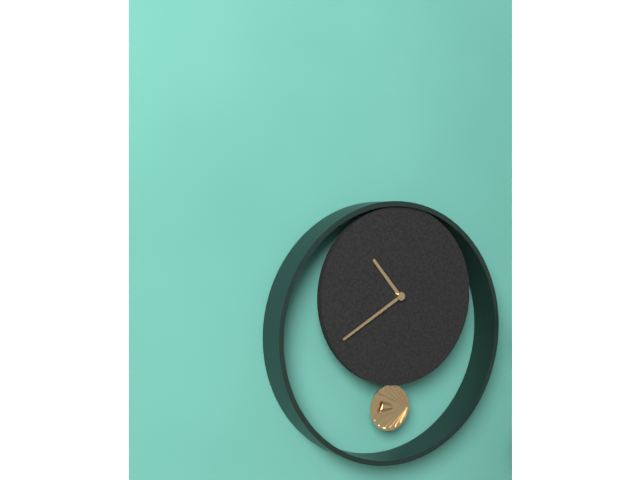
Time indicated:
10 h 40 min
